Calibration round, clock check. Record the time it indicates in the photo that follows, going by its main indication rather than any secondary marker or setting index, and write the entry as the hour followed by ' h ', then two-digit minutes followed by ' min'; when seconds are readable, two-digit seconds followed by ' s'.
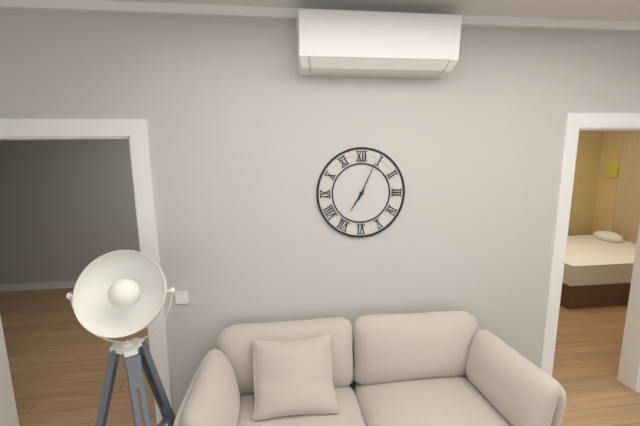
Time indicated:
7 h 04 min
